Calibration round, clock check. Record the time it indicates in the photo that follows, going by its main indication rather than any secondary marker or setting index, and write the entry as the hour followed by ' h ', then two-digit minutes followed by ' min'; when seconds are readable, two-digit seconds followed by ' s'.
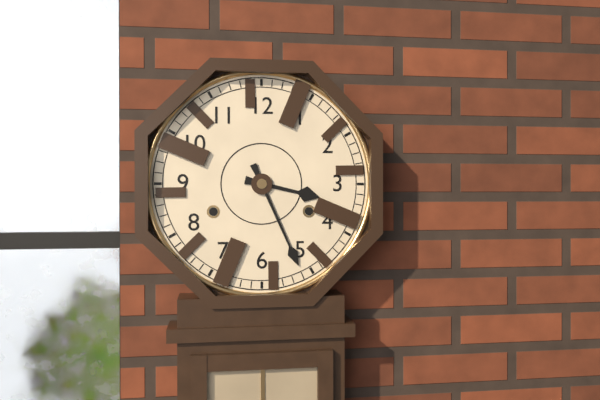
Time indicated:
3 h 26 min
